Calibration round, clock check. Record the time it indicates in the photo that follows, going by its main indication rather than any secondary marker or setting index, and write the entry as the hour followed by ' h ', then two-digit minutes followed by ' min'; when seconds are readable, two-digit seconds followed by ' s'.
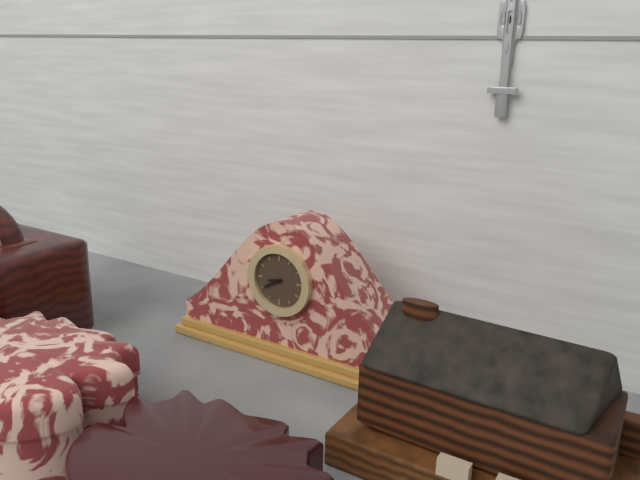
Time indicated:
8 h 40 min
